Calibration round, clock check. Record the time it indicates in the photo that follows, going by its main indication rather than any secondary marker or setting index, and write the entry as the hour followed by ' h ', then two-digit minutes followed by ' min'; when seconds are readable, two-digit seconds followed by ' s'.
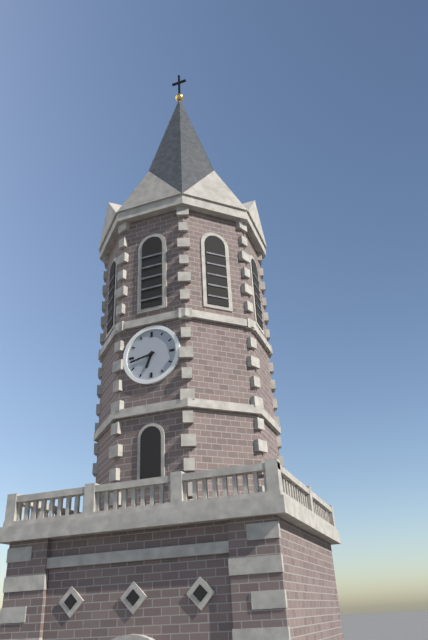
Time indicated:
6 h 43 min
